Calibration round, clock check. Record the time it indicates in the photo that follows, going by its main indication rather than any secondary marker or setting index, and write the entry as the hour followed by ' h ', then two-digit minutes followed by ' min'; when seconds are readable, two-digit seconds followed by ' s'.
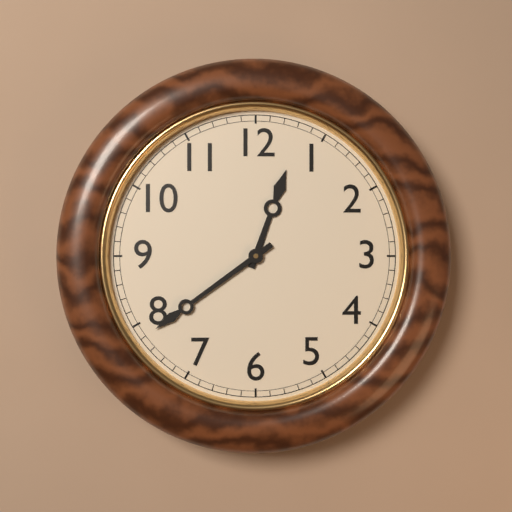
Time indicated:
12 h 39 min
